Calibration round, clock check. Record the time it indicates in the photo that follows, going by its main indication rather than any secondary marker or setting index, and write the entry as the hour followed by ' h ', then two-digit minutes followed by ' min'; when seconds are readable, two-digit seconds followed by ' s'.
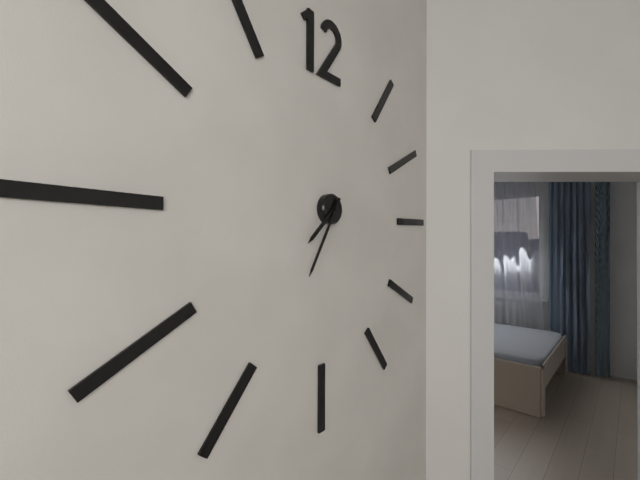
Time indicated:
7 h 35 min
